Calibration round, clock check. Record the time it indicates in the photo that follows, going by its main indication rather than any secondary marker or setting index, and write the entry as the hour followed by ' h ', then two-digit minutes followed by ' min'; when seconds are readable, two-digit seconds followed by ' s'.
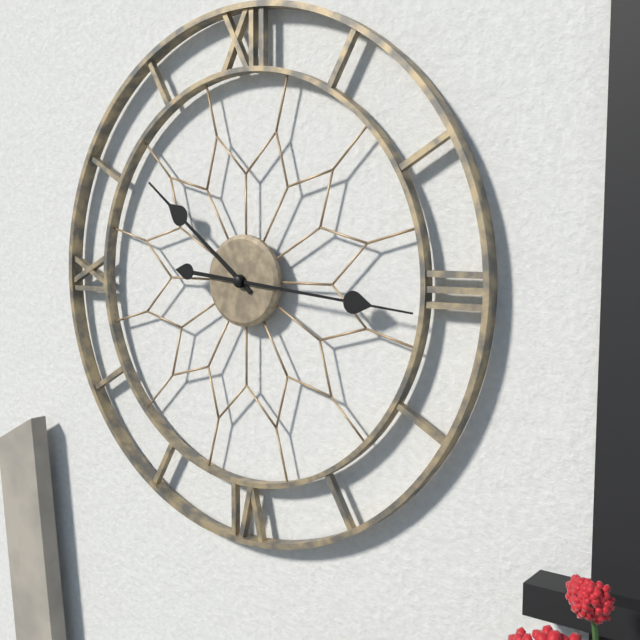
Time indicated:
10 h 16 min
